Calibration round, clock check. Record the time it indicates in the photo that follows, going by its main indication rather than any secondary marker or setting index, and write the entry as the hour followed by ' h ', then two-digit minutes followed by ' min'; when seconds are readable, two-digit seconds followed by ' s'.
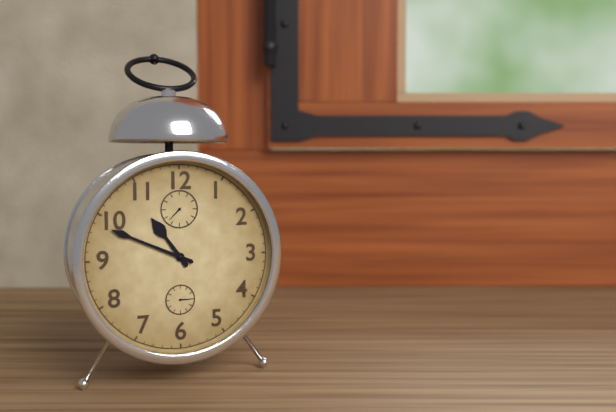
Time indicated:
10 h 49 min
